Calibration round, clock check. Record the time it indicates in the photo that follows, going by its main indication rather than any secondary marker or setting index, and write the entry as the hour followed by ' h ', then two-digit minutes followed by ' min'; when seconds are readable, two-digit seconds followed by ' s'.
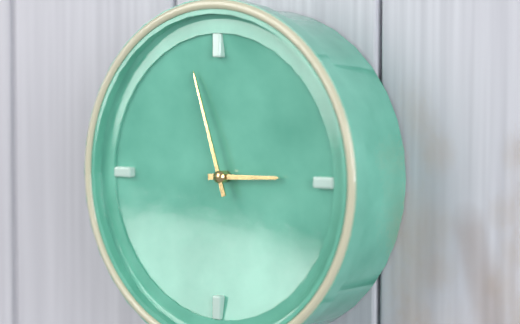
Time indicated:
2 h 57 min
